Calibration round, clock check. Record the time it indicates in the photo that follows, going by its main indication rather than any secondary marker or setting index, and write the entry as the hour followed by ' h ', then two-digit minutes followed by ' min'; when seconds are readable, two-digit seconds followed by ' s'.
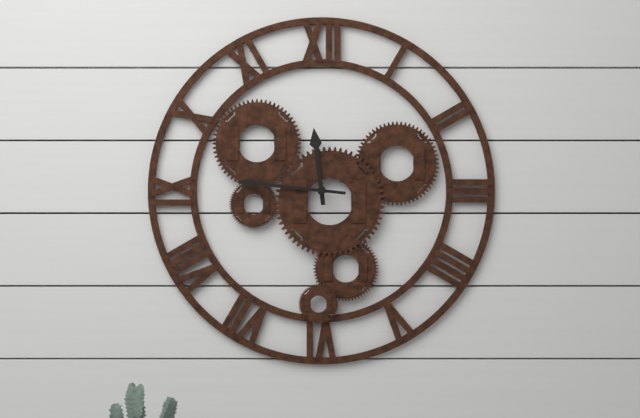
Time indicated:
11 h 46 min
